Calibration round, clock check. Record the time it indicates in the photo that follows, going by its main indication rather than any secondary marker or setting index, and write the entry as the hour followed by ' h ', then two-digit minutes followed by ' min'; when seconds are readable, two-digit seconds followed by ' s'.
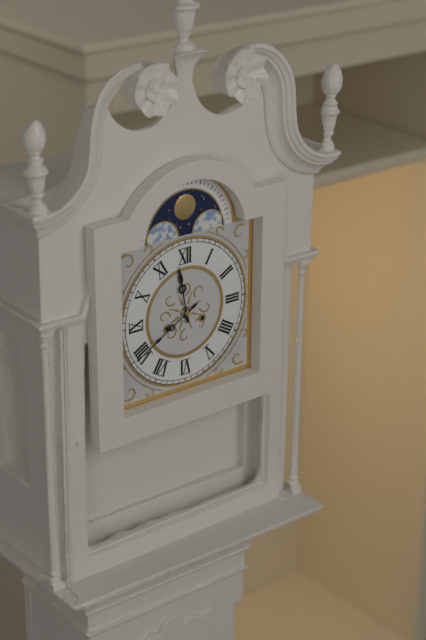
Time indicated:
11 h 40 min
